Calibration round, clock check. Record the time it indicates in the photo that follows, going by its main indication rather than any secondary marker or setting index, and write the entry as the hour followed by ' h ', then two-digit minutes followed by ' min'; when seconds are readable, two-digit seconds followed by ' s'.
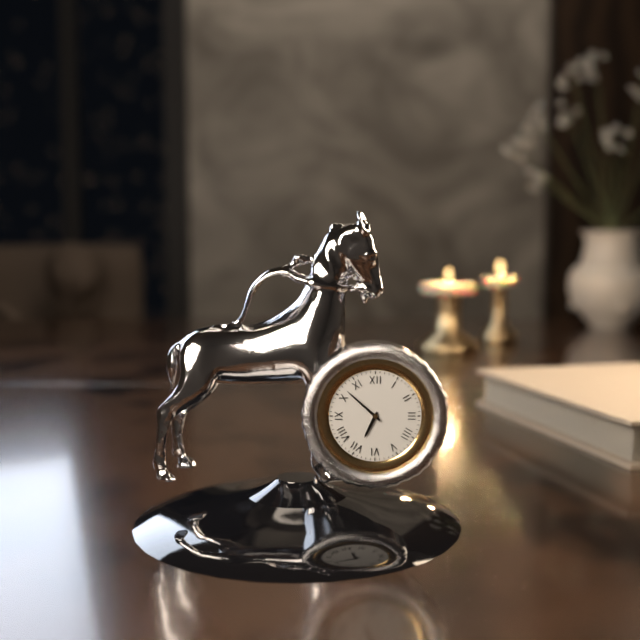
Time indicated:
6 h 52 min
